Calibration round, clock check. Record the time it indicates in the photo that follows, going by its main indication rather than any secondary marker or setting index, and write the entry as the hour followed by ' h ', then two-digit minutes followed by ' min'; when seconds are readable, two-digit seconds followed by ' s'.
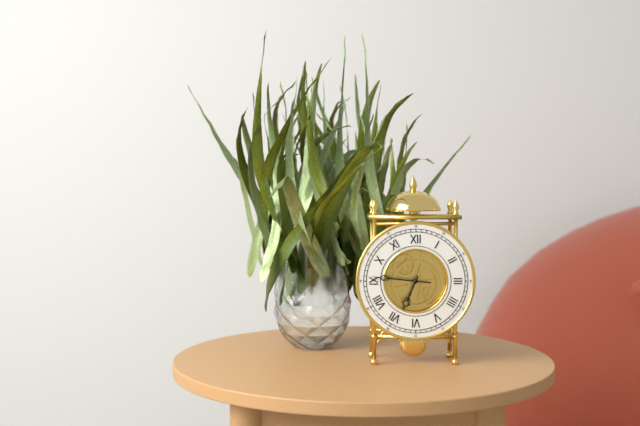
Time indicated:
6 h 46 min
